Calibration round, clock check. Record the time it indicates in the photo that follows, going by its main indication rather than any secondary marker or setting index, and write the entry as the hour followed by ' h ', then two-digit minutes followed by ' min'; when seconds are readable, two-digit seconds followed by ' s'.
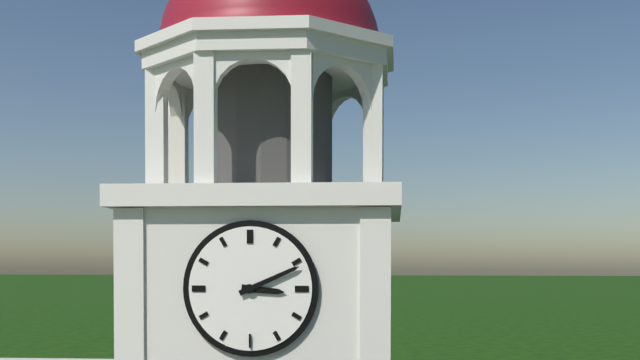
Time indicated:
3 h 11 min
